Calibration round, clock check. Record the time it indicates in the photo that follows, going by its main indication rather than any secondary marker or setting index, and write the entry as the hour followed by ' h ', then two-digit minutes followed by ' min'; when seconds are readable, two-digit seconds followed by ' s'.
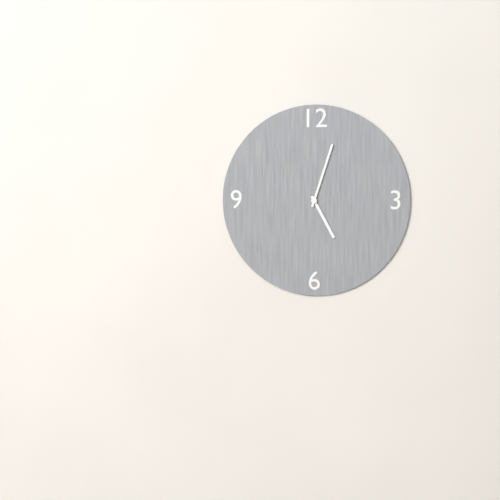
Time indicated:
5 h 03 min
